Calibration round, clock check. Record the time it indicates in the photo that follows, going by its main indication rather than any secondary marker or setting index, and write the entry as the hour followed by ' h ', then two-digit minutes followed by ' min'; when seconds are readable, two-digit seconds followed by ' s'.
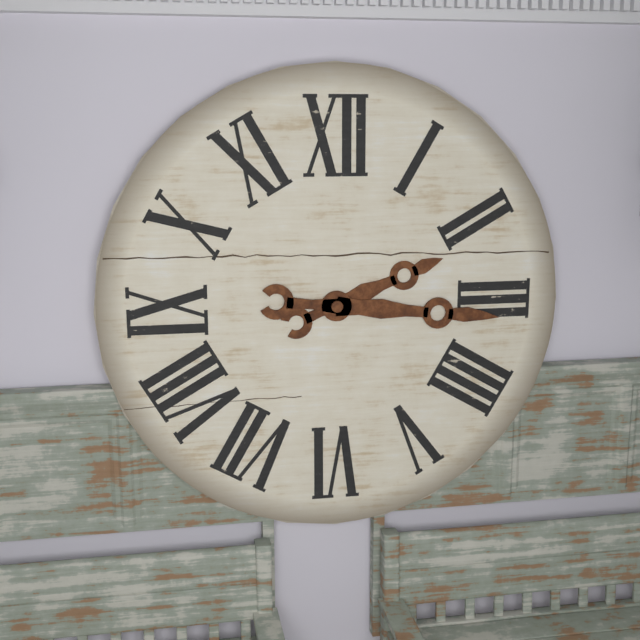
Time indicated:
2 h 16 min
